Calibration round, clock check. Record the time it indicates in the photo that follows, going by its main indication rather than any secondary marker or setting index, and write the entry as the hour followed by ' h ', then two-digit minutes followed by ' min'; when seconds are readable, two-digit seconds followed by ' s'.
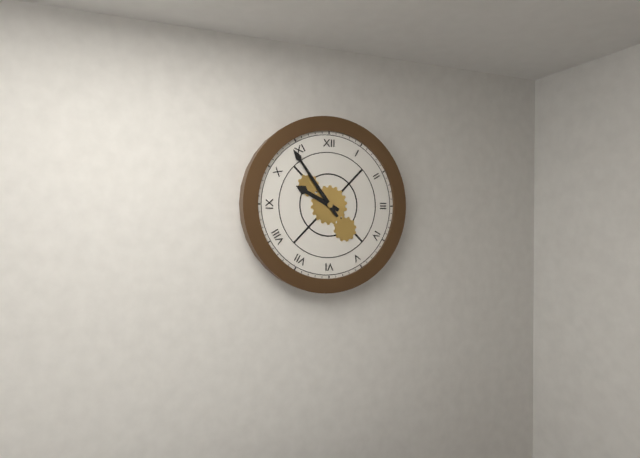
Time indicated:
9 h 54 min
